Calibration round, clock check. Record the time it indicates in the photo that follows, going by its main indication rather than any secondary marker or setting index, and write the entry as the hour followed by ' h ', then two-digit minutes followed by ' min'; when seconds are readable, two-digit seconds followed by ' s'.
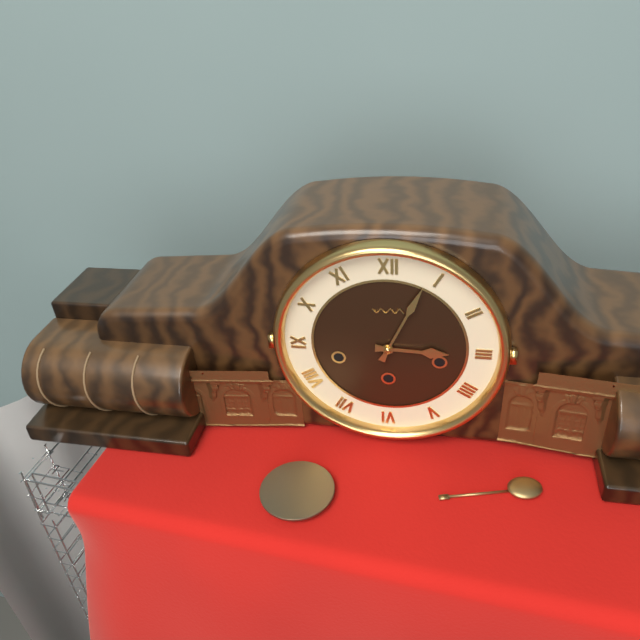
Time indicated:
3 h 04 min
